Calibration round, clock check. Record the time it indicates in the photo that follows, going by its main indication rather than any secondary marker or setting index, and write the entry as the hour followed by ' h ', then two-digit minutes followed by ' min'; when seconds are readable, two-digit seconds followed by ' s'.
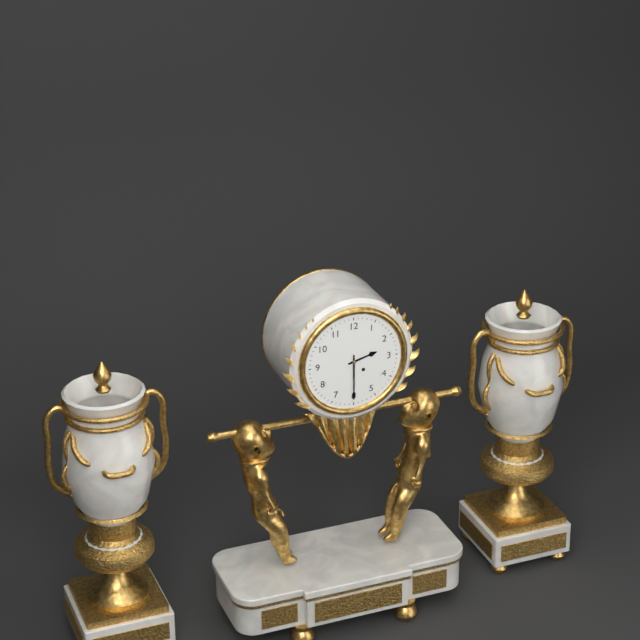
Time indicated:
2 h 30 min
